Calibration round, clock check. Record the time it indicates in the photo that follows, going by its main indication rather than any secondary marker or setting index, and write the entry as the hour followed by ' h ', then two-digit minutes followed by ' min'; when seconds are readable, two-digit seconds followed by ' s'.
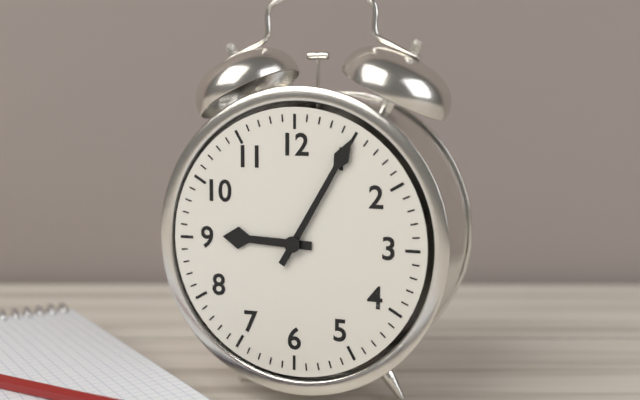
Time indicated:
9 h 05 min
